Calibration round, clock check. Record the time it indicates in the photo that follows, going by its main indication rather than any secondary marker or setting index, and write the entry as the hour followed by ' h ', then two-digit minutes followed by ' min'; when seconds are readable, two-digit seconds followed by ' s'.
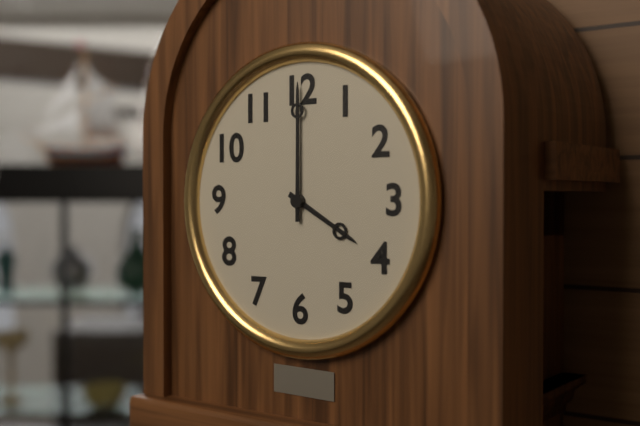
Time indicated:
4 h 00 min
